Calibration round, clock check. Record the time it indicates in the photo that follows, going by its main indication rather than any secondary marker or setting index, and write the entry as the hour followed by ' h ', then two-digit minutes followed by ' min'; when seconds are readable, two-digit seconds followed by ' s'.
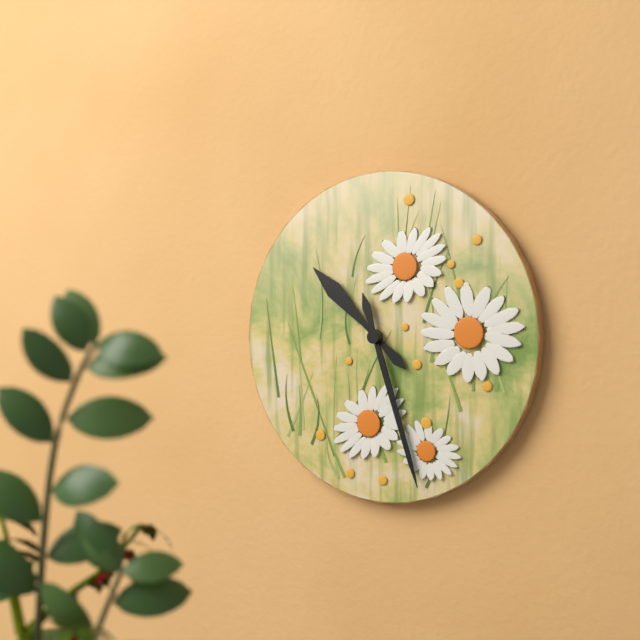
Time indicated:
10 h 27 min
